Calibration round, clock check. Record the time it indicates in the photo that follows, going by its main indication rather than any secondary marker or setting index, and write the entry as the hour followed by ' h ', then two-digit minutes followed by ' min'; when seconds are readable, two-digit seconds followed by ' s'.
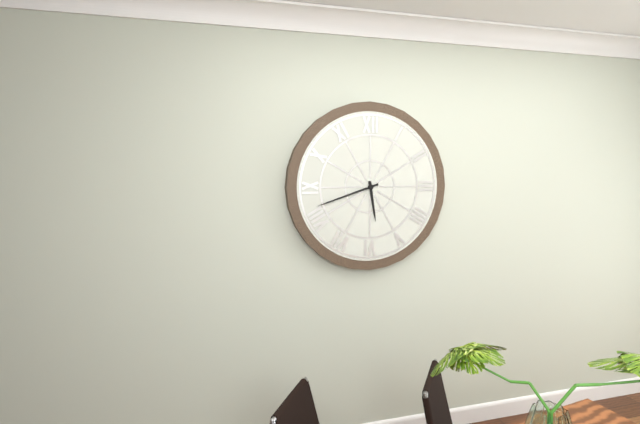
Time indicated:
5 h 42 min
